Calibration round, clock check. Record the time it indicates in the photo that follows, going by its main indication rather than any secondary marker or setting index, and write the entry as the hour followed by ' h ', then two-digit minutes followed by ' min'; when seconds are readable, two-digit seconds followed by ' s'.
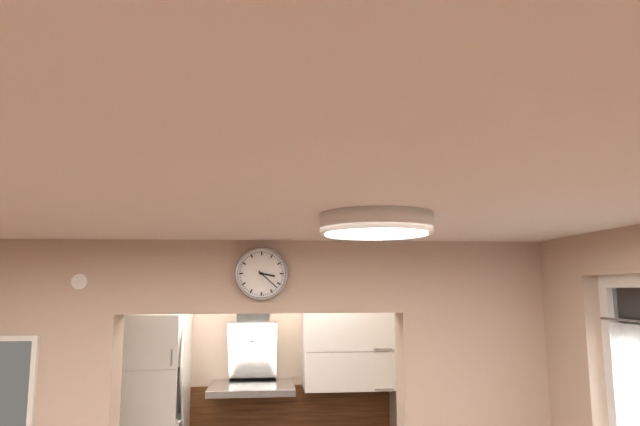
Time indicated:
3 h 22 min
